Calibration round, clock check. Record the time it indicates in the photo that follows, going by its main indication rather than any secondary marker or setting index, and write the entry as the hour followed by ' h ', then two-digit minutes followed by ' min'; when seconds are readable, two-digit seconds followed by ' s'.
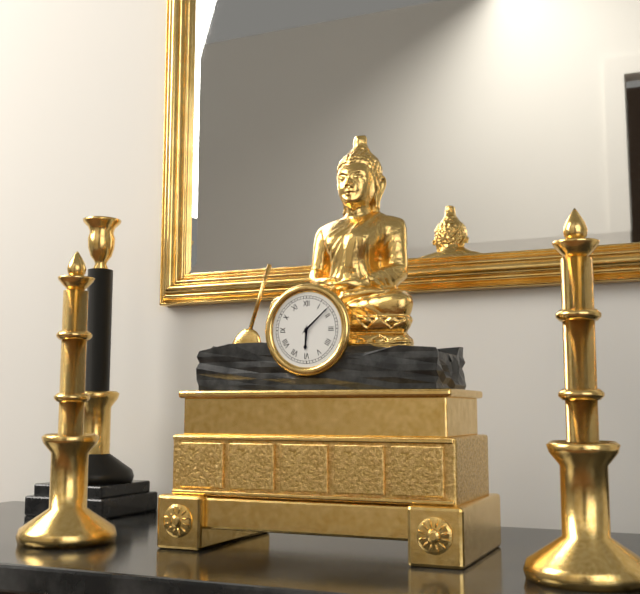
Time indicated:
6 h 08 min
